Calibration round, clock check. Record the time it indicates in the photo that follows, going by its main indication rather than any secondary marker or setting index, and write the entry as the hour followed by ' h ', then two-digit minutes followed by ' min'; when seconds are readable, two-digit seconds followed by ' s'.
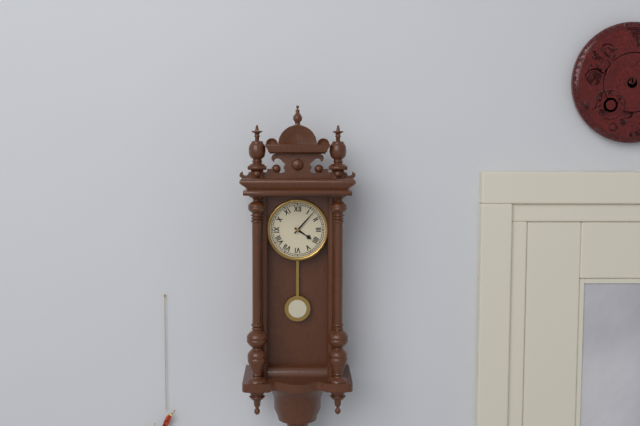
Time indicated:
4 h 07 min
